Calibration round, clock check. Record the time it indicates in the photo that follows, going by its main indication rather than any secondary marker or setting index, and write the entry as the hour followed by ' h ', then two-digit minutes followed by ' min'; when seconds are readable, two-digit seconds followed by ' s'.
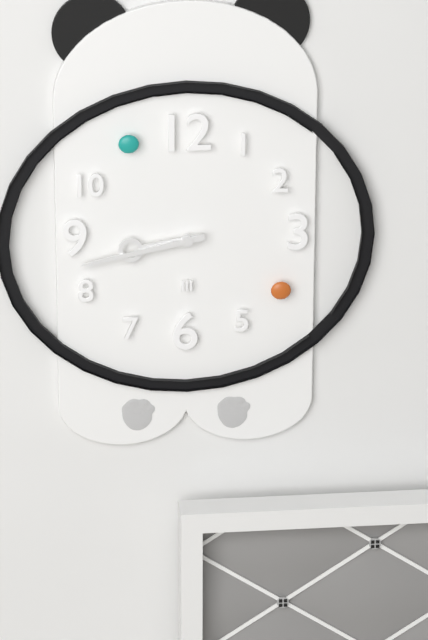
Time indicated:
8 h 43 min
